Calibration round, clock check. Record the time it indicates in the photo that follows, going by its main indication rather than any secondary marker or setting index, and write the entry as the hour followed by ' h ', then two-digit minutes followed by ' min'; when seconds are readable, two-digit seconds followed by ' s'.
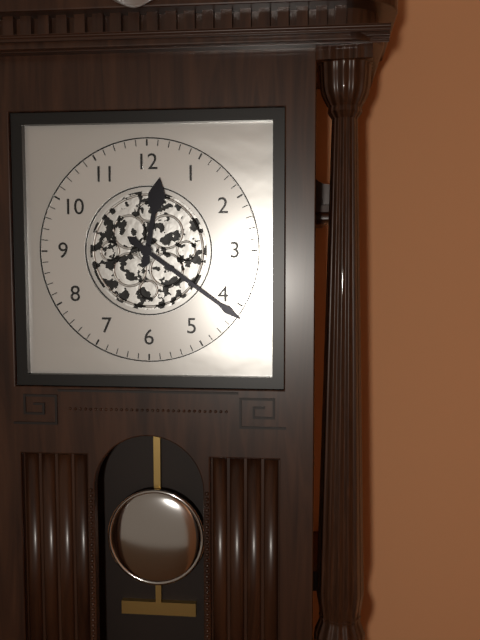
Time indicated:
12 h 21 min
